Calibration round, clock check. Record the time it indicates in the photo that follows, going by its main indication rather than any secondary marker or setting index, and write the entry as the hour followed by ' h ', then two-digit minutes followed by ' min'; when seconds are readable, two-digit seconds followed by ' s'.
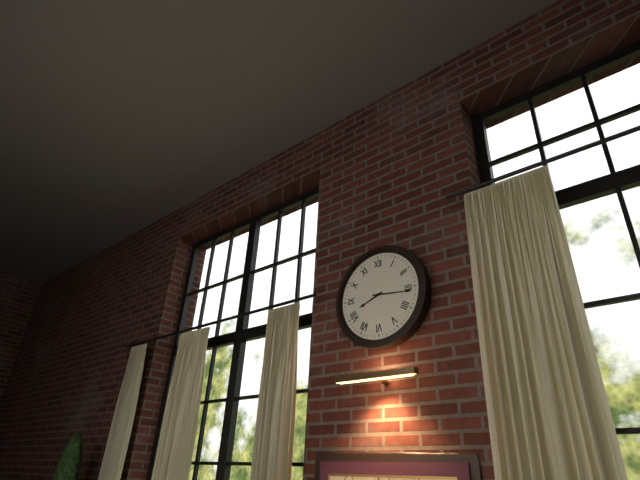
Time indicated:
8 h 16 min
